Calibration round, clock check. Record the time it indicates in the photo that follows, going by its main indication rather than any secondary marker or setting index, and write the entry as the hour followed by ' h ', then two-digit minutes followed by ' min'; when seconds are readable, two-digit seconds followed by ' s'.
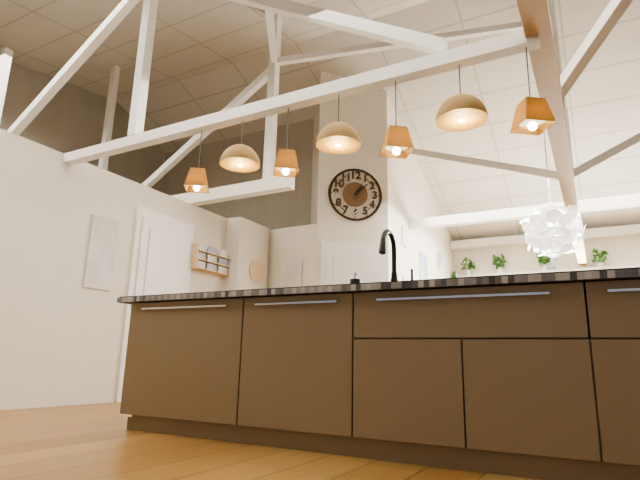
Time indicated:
1 h 08 min
